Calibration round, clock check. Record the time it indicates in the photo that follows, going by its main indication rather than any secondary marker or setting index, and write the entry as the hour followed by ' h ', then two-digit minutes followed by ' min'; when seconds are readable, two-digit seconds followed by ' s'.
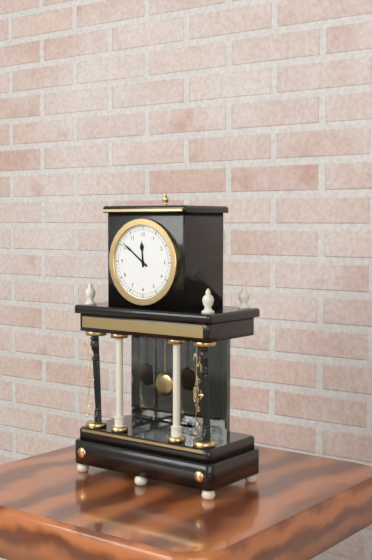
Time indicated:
11 h 51 min
